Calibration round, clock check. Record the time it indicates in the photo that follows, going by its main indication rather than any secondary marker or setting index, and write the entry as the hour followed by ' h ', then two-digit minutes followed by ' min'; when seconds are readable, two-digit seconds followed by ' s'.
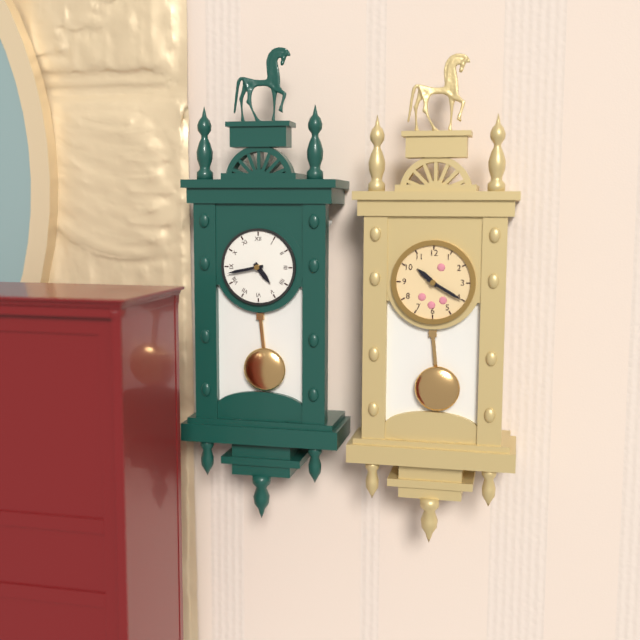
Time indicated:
4 h 43 min
